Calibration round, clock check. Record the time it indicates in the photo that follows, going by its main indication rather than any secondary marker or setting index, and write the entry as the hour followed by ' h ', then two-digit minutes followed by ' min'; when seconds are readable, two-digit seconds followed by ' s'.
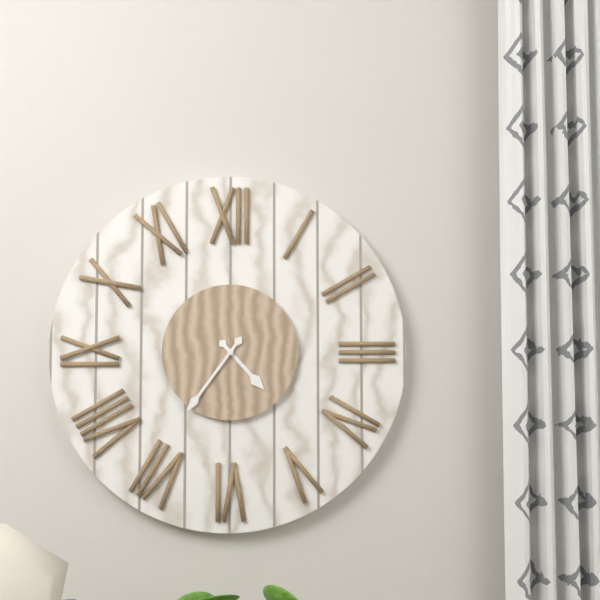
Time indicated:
4 h 36 min
